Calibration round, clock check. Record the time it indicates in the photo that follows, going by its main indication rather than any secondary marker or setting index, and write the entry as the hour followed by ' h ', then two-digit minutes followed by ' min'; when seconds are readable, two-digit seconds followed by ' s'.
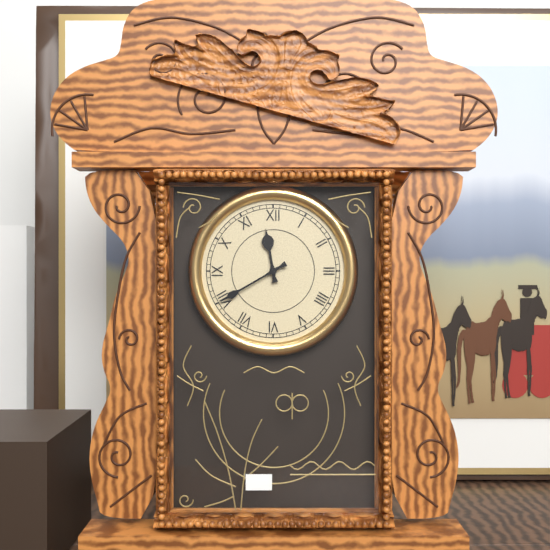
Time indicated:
11 h 40 min
